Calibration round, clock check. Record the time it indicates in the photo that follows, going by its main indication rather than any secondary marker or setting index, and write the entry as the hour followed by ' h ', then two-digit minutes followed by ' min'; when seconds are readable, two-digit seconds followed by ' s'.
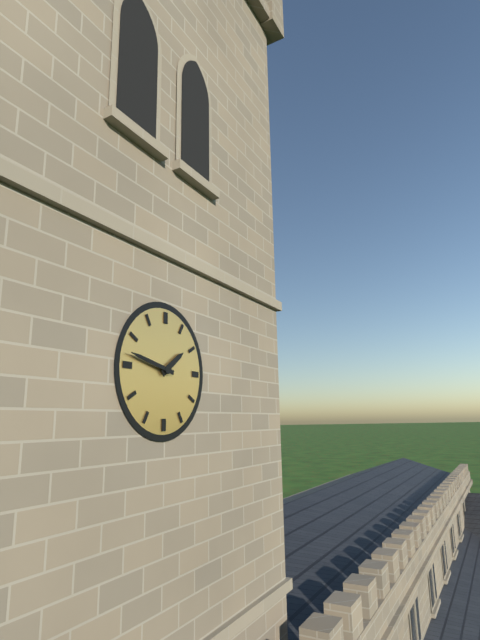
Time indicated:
1 h 47 min
